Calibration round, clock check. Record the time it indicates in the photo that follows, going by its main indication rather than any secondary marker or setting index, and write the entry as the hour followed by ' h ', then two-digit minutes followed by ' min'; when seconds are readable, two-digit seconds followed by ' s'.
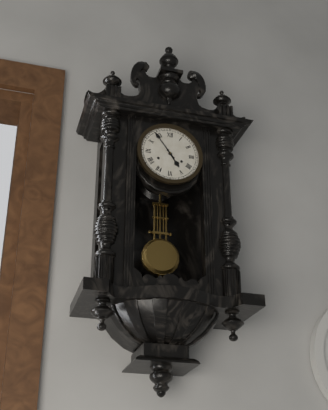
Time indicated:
4 h 54 min
